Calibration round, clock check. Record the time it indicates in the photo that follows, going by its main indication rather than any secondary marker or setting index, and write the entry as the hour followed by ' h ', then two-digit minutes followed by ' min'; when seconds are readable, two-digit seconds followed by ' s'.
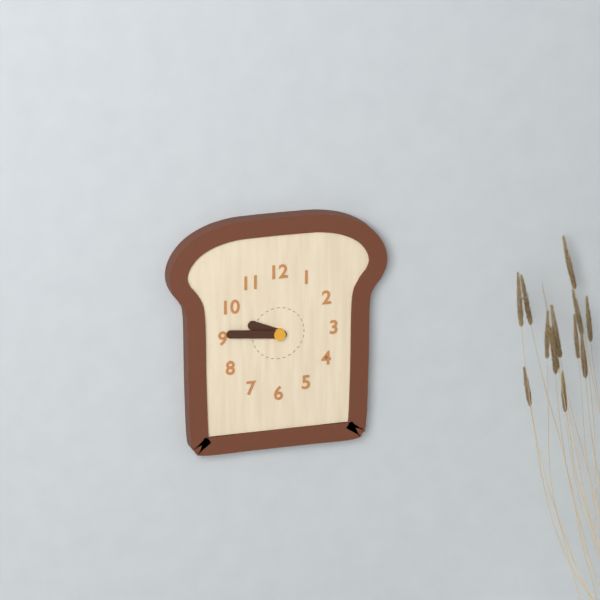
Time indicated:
9 h 46 min
